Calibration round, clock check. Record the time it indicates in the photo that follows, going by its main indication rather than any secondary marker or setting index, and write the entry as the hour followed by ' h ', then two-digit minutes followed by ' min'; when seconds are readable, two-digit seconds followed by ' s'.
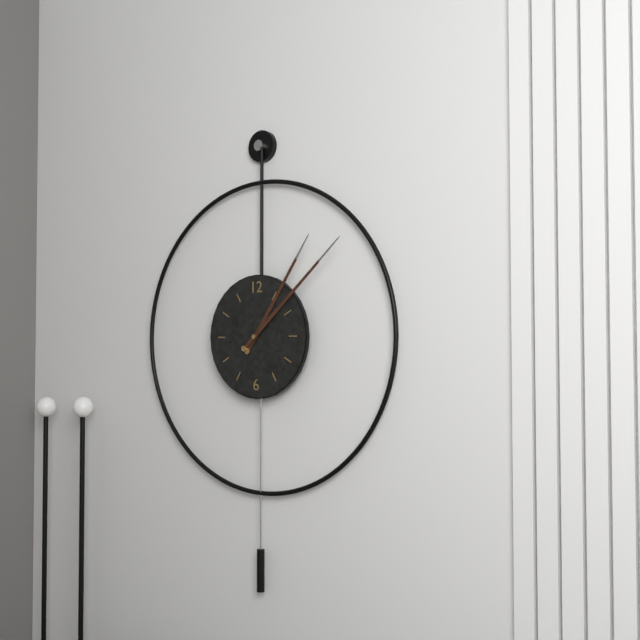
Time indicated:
1 h 08 min
